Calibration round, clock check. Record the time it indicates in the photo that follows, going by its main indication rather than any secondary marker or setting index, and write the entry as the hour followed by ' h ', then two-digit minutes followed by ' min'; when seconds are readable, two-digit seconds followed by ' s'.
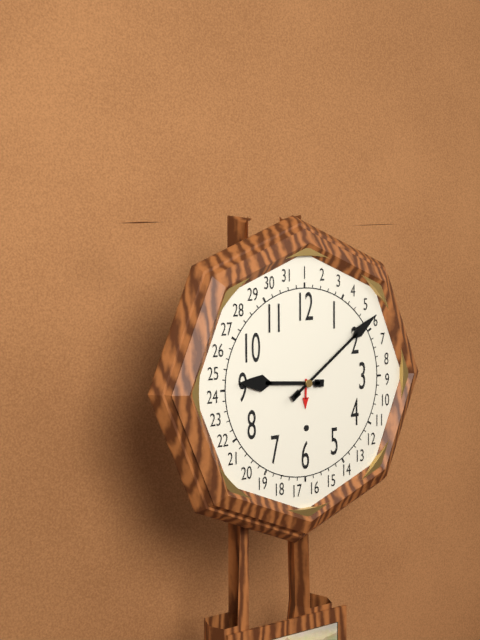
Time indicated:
9 h 09 min
